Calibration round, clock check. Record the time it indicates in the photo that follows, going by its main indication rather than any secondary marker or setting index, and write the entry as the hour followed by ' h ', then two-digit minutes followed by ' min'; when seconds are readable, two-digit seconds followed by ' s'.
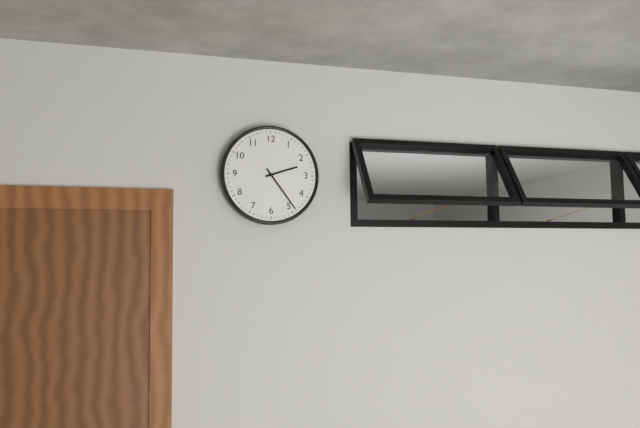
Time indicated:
2 h 24 min
